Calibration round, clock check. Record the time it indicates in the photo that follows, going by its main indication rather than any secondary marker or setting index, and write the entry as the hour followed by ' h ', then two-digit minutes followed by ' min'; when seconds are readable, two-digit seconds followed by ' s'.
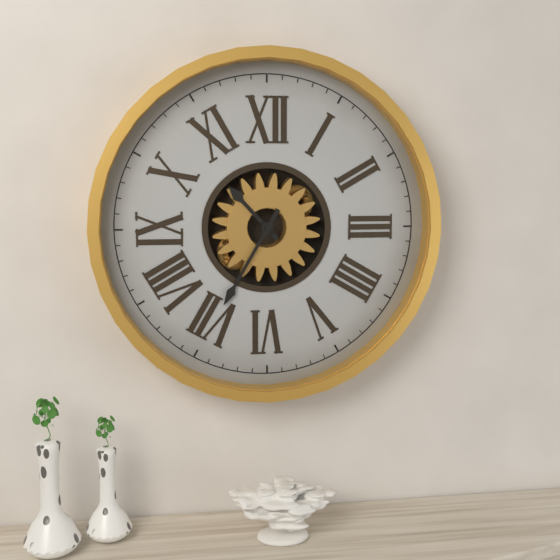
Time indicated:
10 h 35 min
